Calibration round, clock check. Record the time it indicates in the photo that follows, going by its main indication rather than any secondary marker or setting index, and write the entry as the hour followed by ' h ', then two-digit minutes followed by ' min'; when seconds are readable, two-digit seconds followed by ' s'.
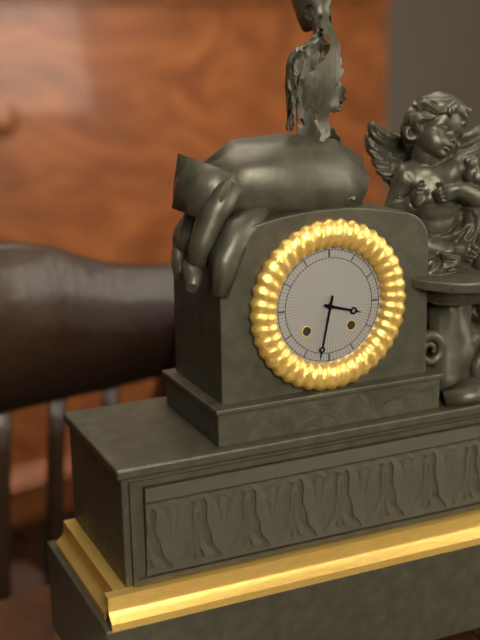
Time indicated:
3 h 32 min
